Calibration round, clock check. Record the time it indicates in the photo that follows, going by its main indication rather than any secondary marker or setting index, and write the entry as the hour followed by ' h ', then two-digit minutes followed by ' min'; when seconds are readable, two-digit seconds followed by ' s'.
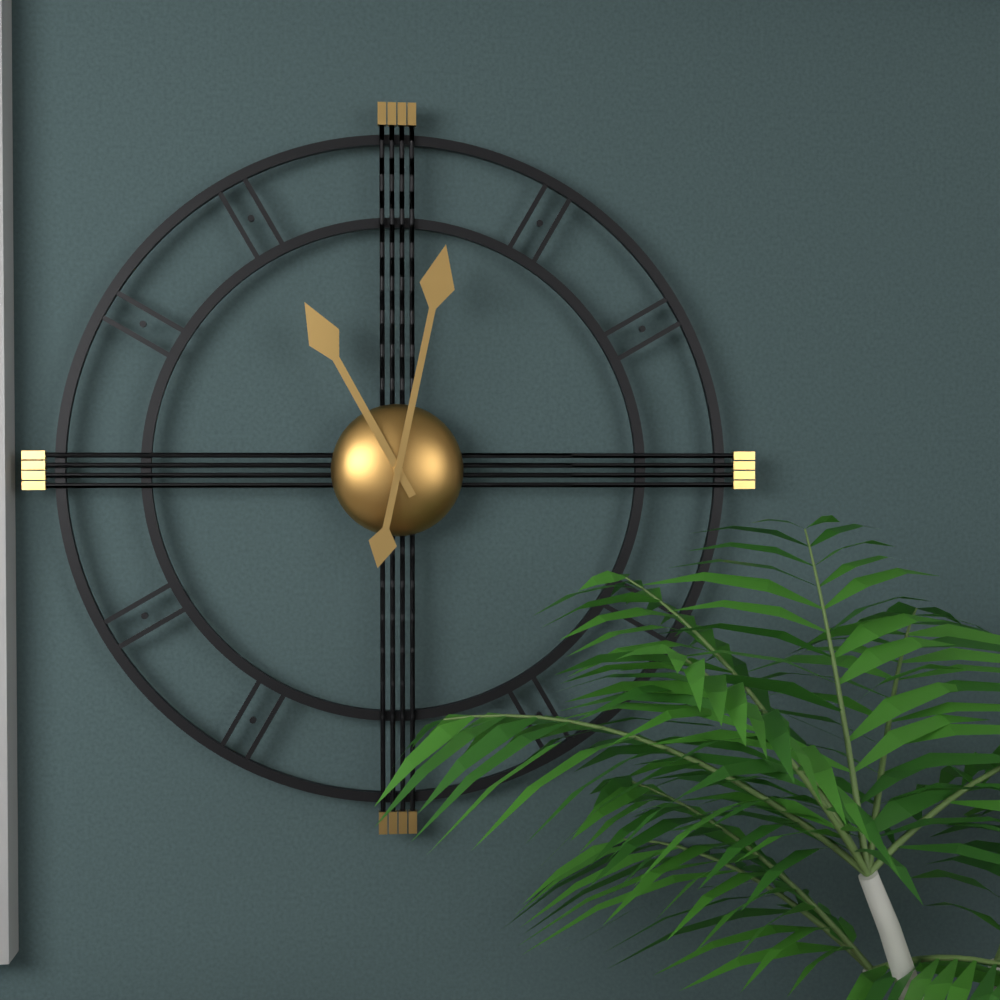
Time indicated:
11 h 02 min
